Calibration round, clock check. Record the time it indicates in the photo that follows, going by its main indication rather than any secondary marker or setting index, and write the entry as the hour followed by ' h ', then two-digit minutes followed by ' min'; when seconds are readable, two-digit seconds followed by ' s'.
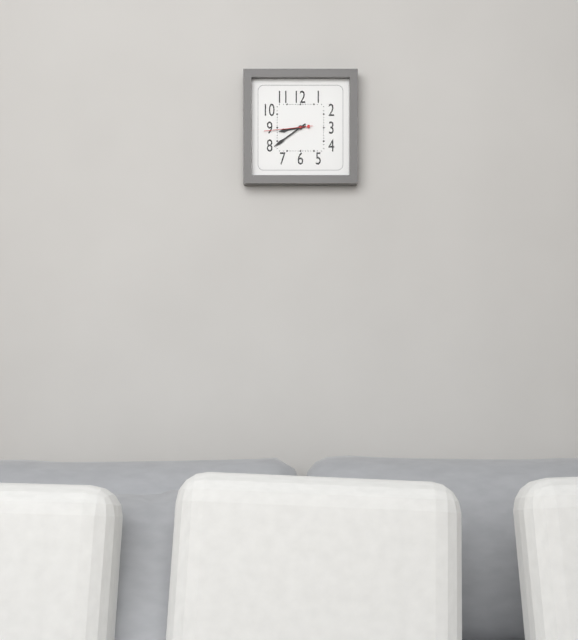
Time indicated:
8 h 39 min
